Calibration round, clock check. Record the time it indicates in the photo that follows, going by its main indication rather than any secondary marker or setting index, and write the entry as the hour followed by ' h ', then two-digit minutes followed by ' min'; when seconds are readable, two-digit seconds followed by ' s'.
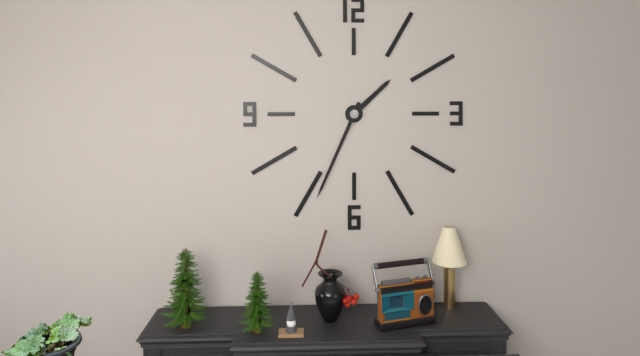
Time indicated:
1 h 34 min
